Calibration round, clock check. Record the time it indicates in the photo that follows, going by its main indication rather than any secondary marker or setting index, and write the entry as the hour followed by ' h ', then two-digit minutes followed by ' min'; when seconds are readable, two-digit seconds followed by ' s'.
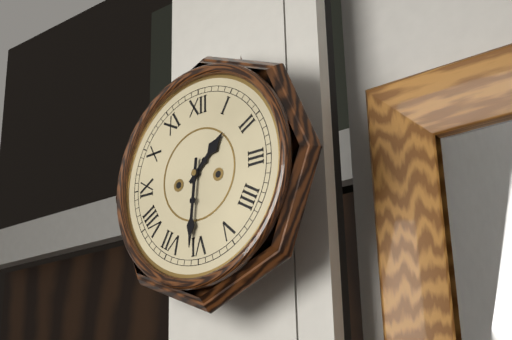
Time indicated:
1 h 31 min
